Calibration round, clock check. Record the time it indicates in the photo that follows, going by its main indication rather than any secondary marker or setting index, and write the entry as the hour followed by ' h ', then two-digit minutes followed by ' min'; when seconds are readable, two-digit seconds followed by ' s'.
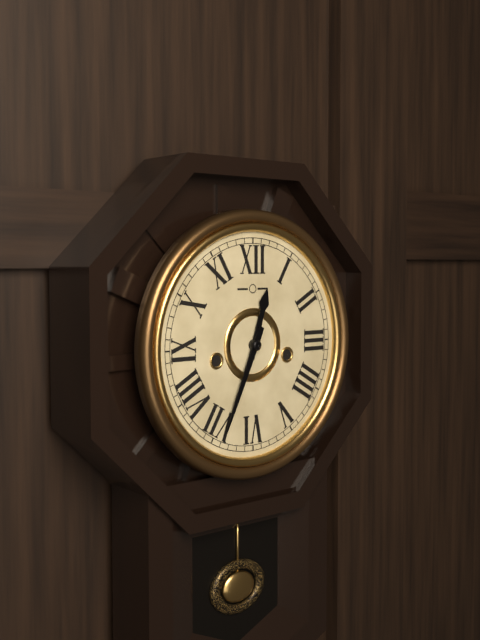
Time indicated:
12 h 34 min
